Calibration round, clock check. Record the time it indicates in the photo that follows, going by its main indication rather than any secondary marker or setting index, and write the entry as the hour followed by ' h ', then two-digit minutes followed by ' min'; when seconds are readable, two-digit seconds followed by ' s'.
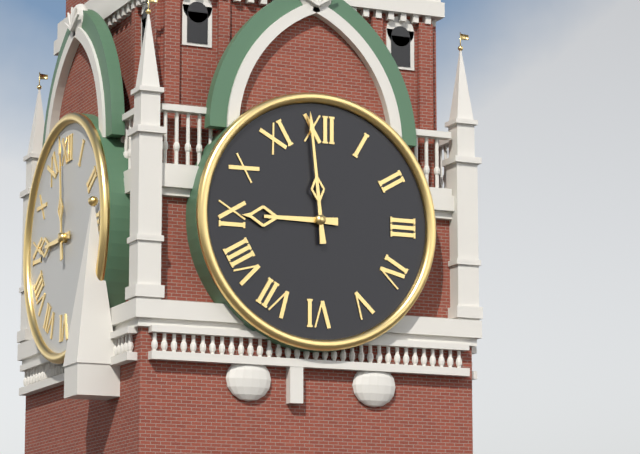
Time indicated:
8 h 59 min
